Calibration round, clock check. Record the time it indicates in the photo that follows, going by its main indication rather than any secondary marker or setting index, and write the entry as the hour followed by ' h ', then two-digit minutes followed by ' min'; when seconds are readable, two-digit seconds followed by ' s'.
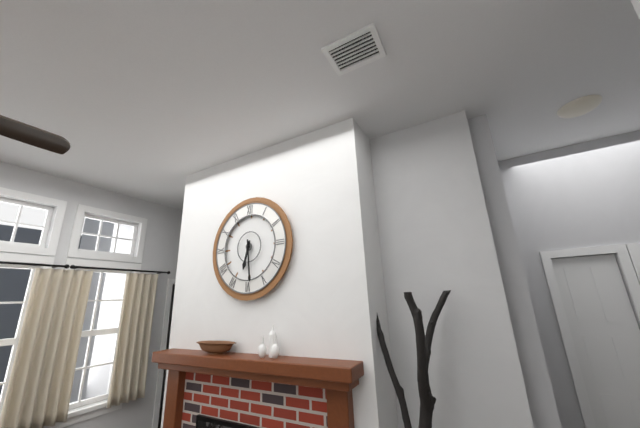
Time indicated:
6 h 29 min
